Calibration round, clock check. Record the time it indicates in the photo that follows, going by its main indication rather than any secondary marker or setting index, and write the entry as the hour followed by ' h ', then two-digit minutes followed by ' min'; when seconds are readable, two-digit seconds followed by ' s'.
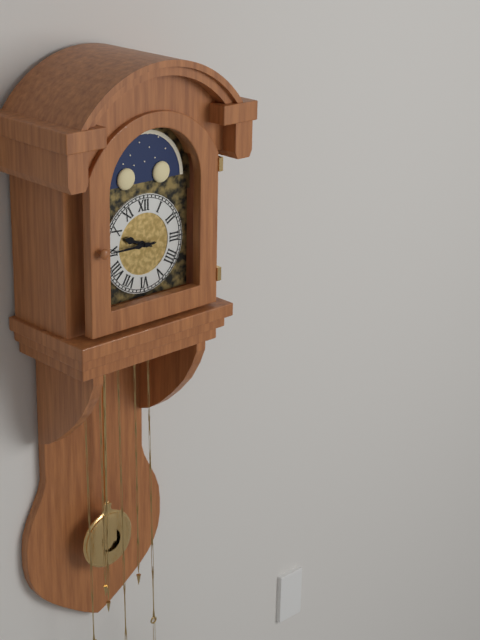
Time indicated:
9 h 45 min
